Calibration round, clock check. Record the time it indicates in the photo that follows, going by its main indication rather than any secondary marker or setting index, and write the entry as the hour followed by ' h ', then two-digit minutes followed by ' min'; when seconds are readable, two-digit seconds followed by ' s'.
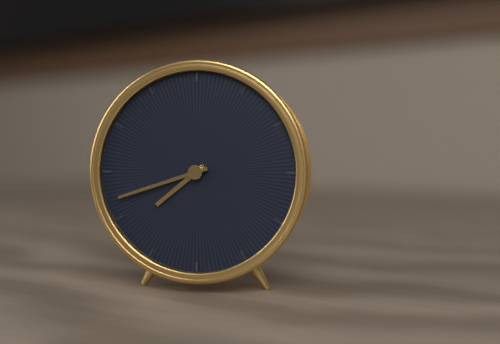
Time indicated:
7 h 42 min
